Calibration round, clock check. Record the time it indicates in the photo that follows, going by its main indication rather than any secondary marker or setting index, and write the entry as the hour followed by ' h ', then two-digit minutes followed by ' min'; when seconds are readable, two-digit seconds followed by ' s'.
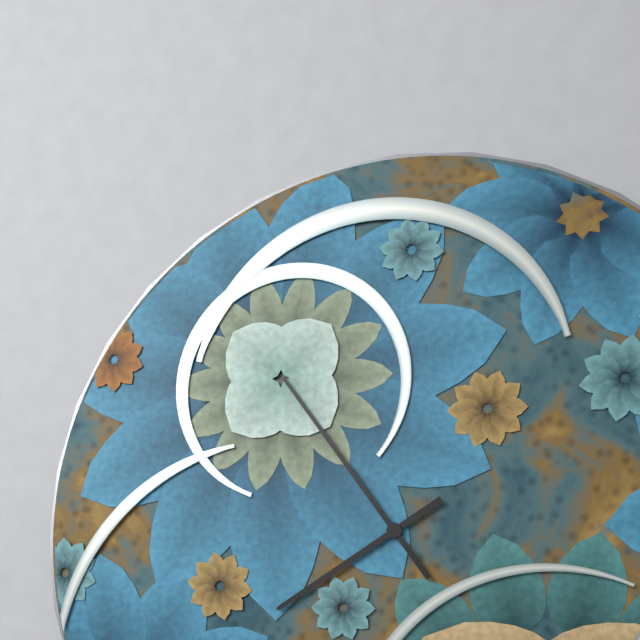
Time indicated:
7 h 54 min
